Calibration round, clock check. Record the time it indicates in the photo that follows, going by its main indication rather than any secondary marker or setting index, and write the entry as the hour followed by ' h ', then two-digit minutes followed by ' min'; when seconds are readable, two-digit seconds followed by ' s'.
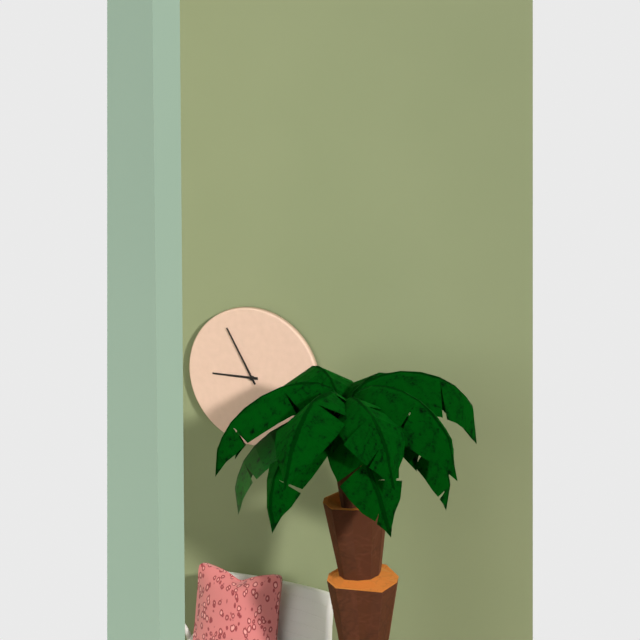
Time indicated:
8 h 55 min
